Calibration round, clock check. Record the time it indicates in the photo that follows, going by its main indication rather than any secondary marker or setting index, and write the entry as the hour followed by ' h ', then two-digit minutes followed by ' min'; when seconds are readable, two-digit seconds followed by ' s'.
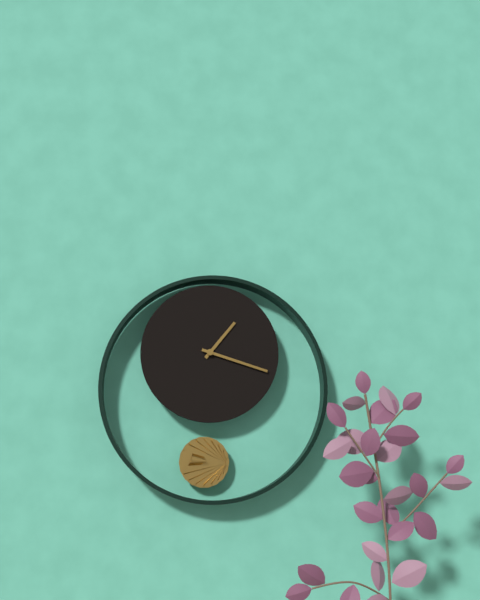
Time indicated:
1 h 18 min
